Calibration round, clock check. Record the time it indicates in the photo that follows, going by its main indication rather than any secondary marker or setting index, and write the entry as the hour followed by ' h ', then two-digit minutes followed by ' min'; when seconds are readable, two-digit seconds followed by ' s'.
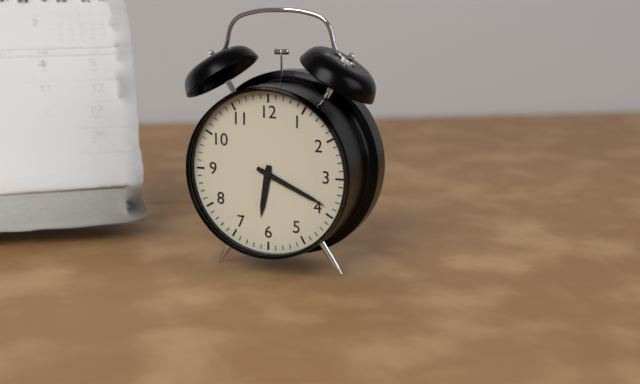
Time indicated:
6 h 19 min
